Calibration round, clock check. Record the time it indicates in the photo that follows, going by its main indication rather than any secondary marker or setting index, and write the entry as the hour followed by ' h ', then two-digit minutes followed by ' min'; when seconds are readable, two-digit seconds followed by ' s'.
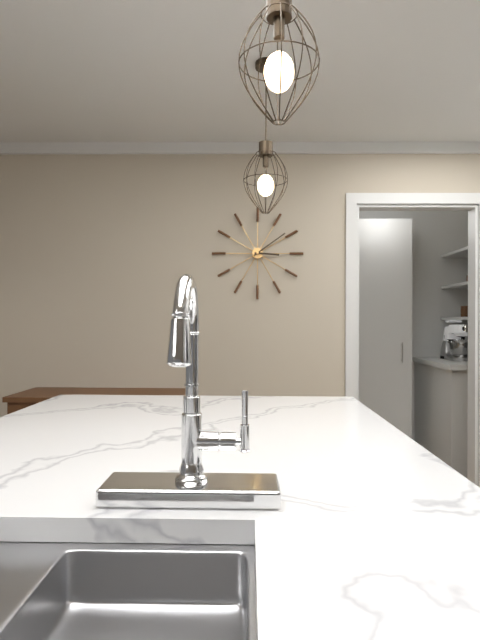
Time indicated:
3 h 09 min
